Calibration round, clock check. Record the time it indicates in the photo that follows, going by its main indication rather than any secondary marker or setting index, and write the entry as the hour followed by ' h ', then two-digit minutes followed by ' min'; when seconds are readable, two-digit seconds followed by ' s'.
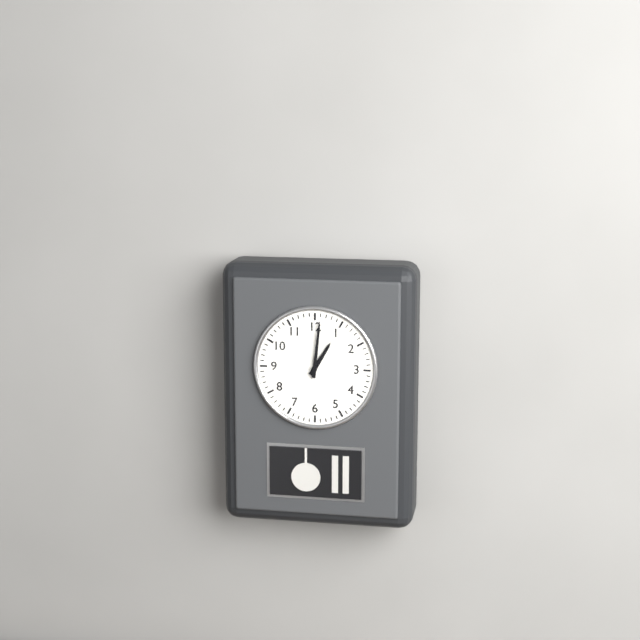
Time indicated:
1 h 01 min
